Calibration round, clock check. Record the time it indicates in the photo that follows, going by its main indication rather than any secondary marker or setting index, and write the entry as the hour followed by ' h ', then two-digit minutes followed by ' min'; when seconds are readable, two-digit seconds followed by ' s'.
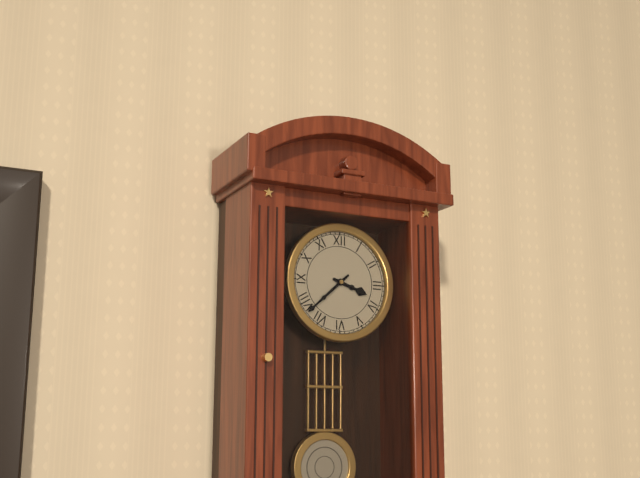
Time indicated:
3 h 38 min
